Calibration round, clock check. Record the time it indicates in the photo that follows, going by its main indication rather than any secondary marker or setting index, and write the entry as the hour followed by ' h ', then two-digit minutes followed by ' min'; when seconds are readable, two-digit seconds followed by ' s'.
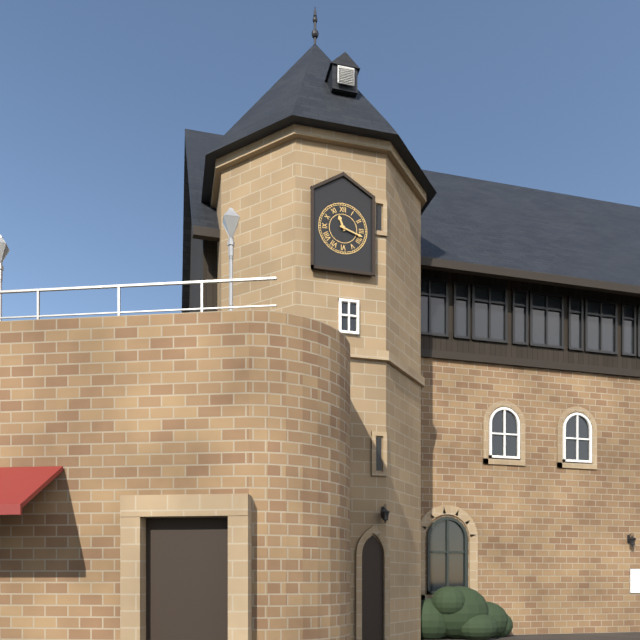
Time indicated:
11 h 18 min
